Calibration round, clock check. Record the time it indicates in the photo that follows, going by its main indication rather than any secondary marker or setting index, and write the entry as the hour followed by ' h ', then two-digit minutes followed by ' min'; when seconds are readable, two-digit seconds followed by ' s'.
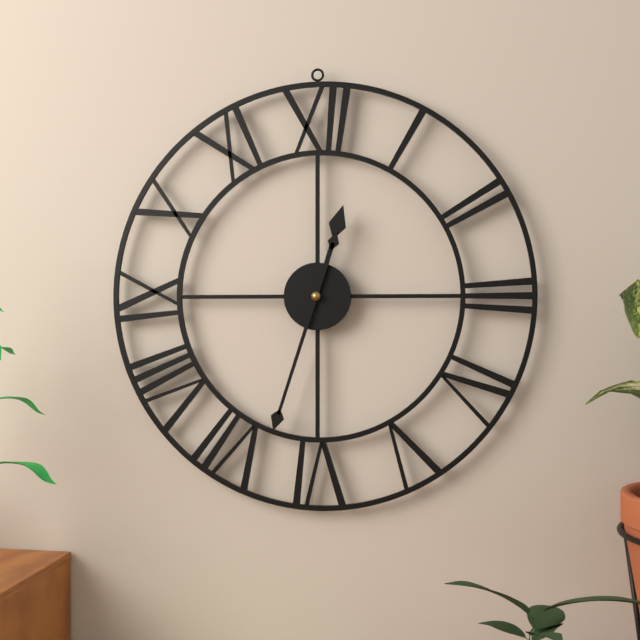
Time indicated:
12 h 33 min
